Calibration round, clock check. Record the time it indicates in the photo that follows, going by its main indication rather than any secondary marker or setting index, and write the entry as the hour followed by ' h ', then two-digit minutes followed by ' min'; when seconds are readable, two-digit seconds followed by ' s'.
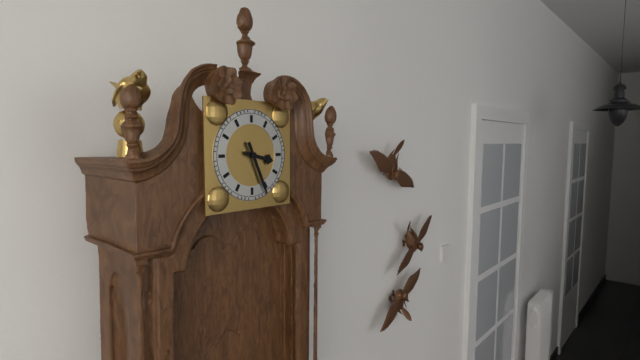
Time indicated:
3 h 26 min
